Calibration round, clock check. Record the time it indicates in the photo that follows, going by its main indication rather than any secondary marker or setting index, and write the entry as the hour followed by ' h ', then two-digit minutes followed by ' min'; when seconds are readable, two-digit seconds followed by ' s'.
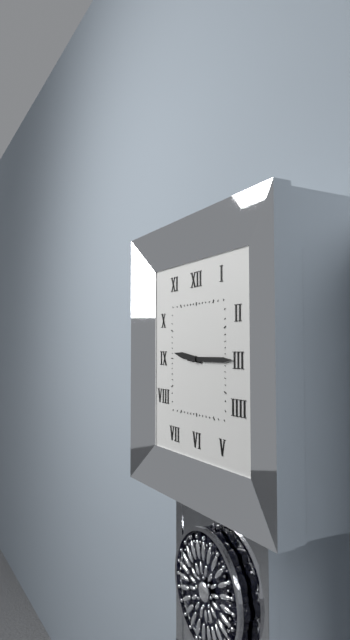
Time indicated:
9 h 15 min
